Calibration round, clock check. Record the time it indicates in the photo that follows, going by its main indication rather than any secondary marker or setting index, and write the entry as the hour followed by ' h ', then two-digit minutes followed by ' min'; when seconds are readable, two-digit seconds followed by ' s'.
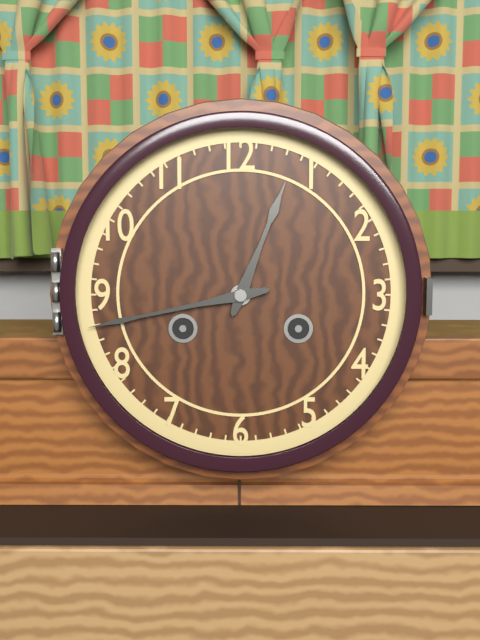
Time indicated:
12 h 43 min
